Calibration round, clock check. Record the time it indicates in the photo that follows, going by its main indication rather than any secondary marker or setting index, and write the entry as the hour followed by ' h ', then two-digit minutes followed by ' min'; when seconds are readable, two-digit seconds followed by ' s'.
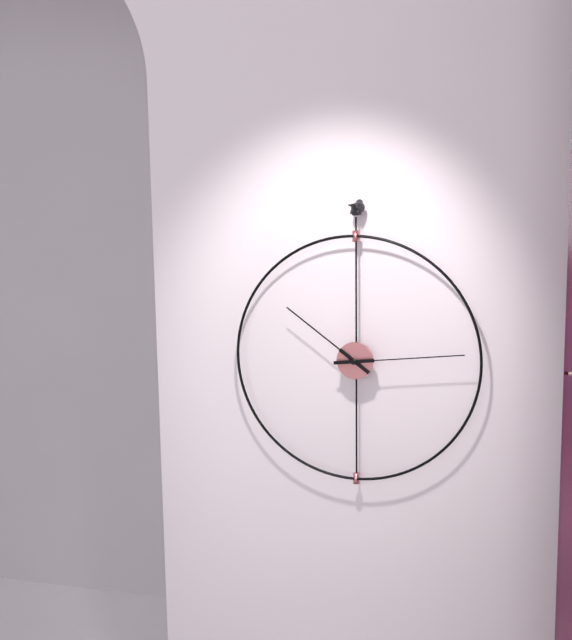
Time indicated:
10 h 14 min
